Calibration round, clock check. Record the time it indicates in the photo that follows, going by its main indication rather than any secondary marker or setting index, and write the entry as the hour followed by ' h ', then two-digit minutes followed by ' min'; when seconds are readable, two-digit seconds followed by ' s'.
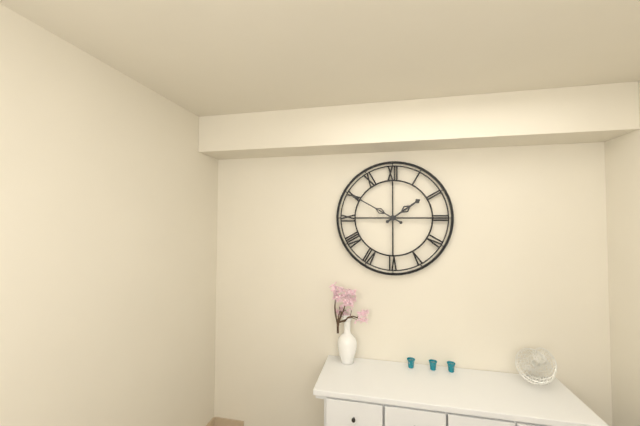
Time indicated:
1 h 50 min
